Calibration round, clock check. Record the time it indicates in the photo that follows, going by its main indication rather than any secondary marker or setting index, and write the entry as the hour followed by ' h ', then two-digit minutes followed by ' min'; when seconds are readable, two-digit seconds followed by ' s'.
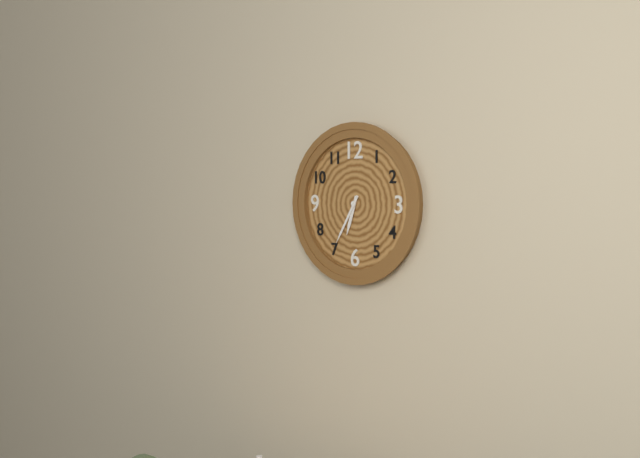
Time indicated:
6 h 35 min
